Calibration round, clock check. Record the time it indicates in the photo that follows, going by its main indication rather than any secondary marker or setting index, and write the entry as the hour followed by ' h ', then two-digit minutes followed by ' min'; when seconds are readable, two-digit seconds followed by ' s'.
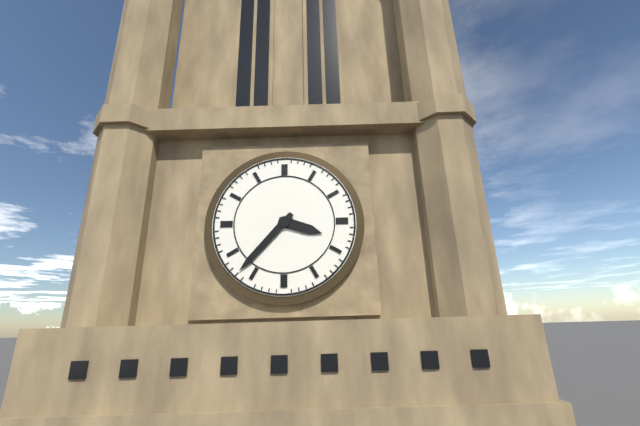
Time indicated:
3 h 37 min
